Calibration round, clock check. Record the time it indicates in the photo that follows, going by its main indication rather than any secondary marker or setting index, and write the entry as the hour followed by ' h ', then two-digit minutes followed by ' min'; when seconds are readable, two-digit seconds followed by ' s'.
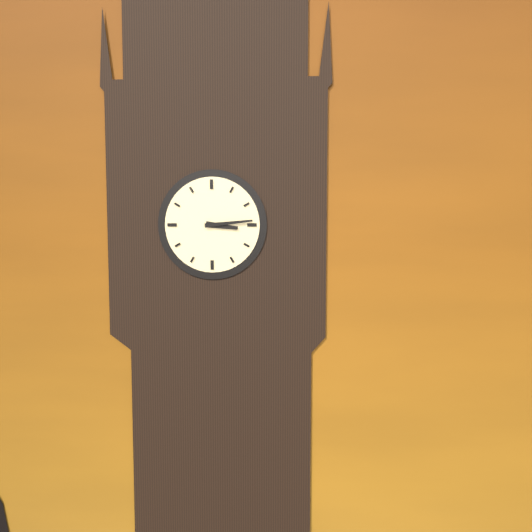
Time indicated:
3 h 14 min
